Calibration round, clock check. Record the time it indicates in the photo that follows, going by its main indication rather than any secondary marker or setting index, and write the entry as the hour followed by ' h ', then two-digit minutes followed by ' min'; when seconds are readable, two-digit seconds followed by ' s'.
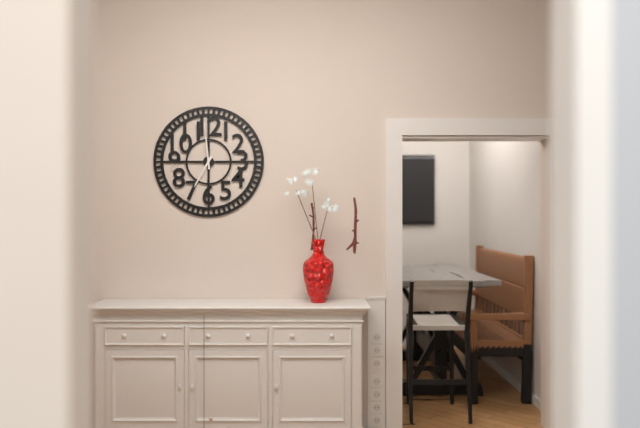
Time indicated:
6 h 59 min
